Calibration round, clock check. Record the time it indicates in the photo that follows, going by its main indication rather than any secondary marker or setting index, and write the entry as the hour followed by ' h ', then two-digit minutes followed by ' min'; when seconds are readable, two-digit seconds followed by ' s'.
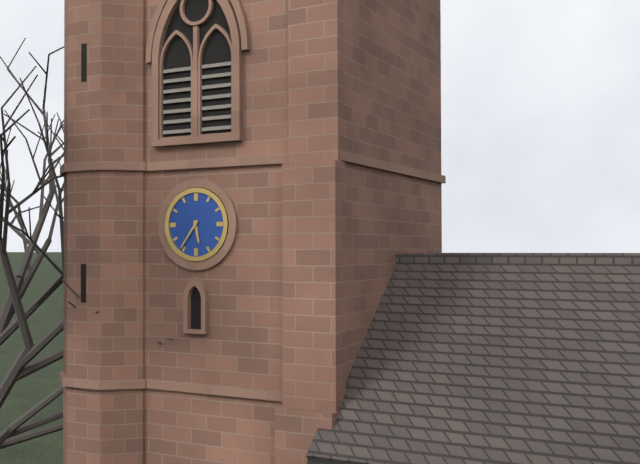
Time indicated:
5 h 36 min
